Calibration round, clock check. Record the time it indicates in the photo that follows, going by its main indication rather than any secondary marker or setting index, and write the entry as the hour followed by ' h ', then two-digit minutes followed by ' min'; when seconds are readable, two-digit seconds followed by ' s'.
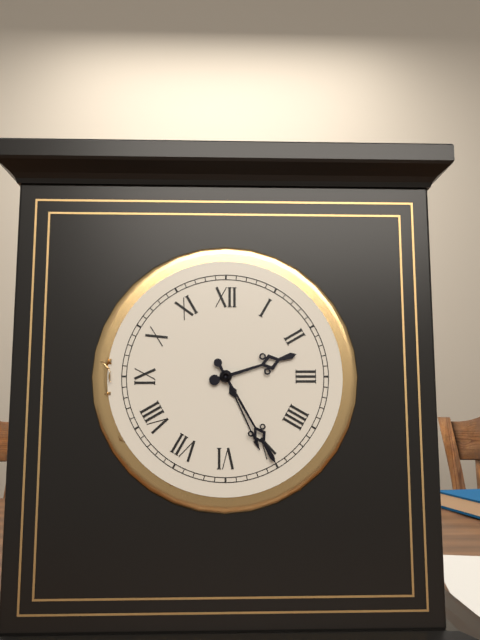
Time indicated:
2 h 25 min
